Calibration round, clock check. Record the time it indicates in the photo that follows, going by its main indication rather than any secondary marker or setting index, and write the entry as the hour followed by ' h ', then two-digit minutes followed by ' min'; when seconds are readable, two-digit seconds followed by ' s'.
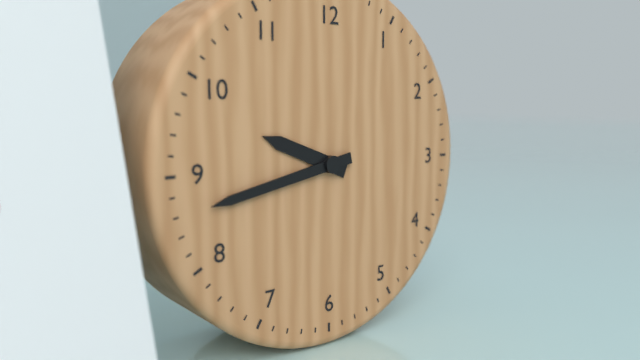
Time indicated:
9 h 43 min
